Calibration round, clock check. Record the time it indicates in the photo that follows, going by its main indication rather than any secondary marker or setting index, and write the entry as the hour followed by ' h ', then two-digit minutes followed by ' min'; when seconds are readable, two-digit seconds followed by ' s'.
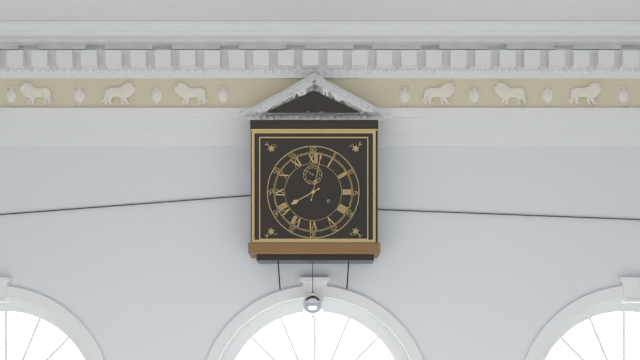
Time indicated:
8 h 02 min
